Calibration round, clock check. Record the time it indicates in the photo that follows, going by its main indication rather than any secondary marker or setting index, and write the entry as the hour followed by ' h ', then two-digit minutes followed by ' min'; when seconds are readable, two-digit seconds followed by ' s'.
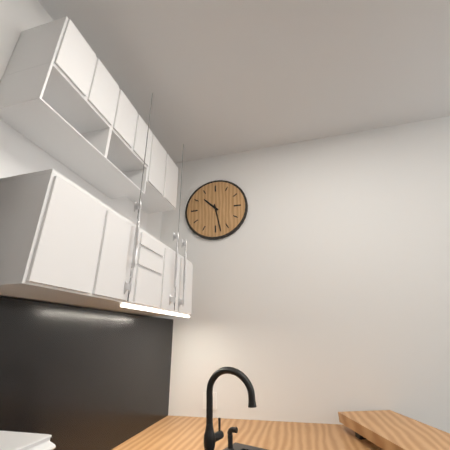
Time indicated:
10 h 28 min
